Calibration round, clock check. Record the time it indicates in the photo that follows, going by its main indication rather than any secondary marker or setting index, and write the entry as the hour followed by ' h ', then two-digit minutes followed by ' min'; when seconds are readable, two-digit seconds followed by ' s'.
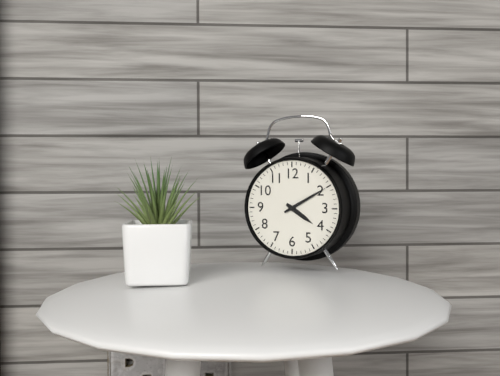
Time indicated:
4 h 10 min
